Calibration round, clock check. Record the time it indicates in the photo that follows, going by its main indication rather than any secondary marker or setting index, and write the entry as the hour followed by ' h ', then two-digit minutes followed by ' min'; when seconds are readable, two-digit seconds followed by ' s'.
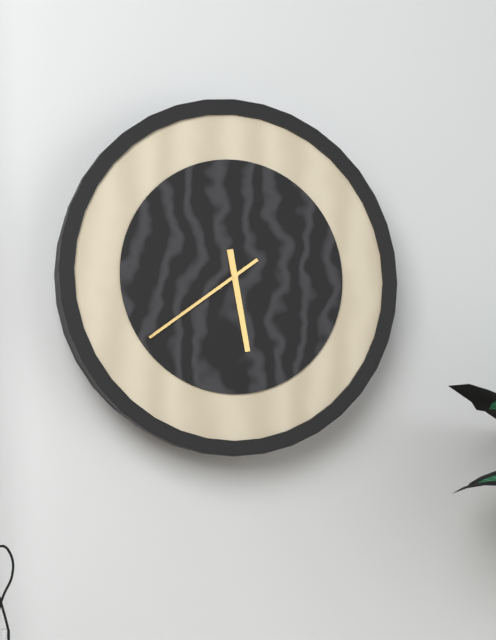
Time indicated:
5 h 39 min
